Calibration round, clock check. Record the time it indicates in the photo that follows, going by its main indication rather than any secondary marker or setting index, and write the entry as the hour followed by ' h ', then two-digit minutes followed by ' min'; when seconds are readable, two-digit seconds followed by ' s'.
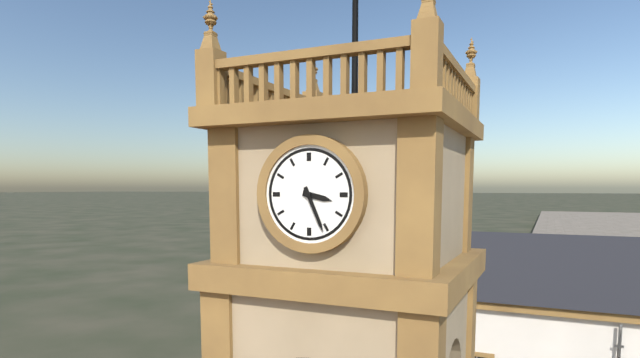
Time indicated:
3 h 26 min
